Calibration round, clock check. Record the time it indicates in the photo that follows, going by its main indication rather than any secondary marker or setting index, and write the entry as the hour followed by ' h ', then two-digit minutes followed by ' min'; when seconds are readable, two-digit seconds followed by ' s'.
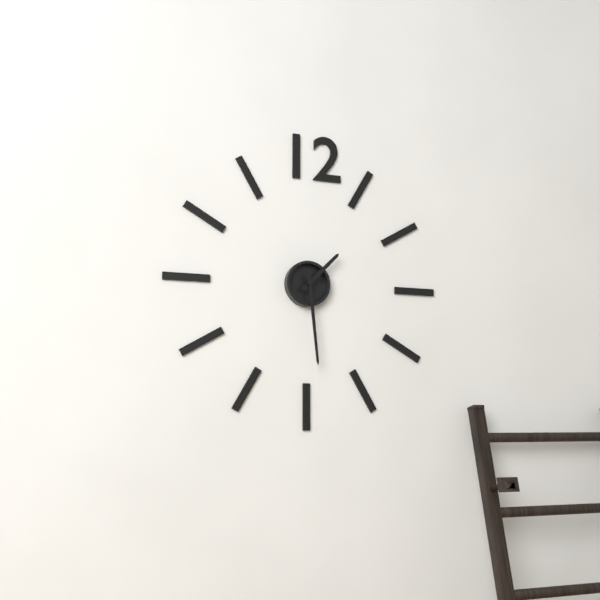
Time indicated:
1 h 29 min
